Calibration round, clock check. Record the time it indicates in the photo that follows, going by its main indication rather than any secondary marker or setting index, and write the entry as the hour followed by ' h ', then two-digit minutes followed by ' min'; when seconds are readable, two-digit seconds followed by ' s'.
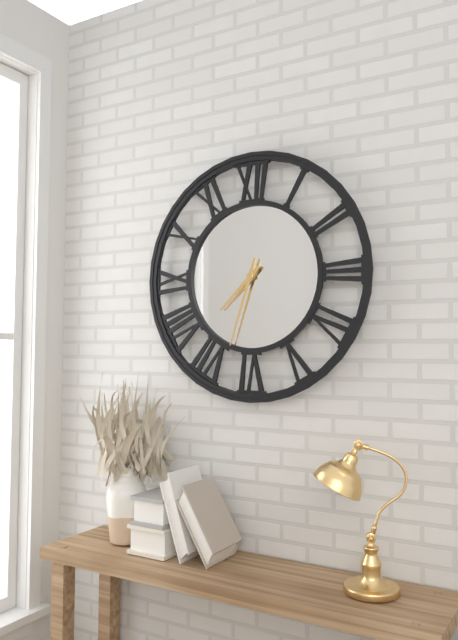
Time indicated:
7 h 33 min
